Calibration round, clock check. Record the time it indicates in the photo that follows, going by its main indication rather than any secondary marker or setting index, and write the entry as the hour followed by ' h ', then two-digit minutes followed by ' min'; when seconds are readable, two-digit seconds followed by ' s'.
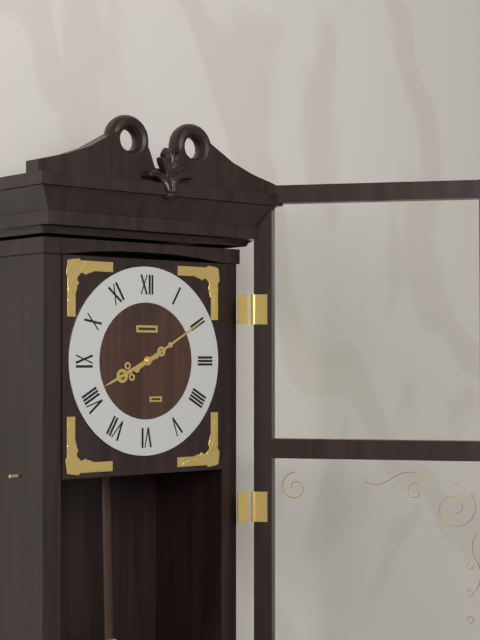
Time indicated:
8 h 10 min
